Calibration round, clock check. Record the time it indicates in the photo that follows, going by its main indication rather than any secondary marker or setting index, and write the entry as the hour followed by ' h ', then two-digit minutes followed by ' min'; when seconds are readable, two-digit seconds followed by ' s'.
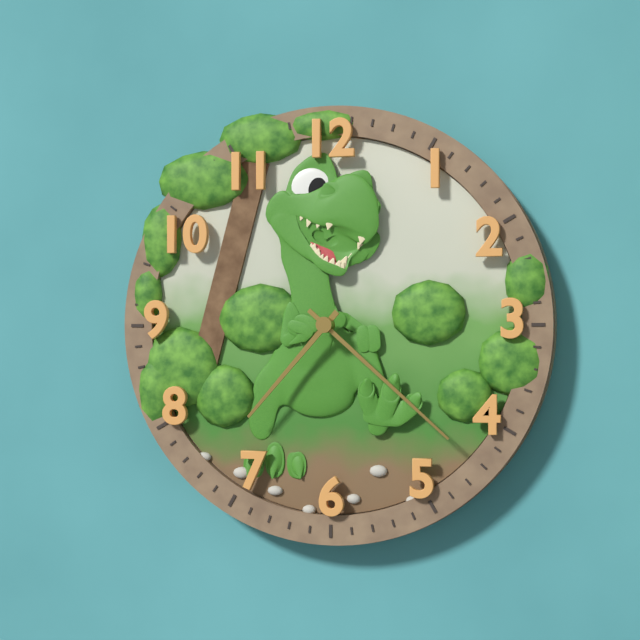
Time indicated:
7 h 22 min
